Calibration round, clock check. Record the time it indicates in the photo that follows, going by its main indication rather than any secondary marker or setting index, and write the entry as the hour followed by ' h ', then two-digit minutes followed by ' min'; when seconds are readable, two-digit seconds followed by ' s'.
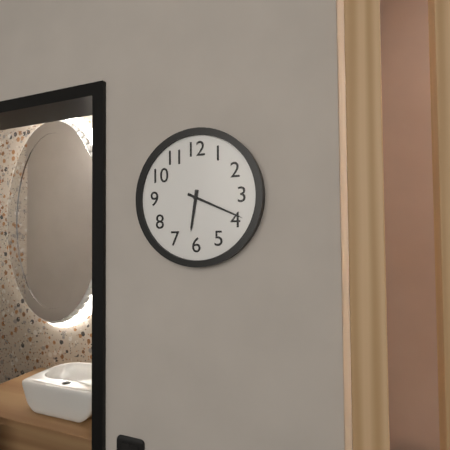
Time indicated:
6 h 19 min
